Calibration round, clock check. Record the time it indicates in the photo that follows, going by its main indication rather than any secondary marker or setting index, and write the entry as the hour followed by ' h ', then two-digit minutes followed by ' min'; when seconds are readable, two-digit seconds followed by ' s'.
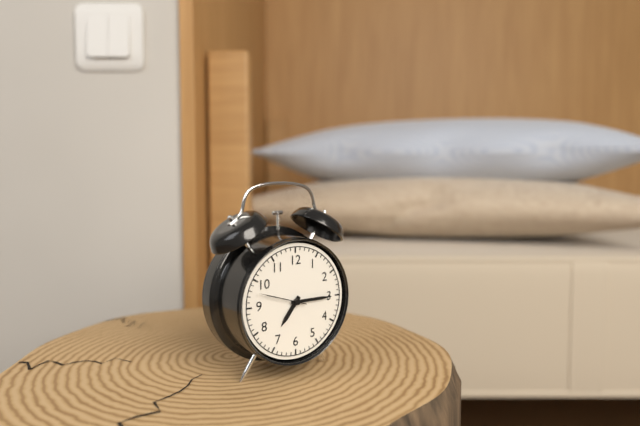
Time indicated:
7 h 15 min
